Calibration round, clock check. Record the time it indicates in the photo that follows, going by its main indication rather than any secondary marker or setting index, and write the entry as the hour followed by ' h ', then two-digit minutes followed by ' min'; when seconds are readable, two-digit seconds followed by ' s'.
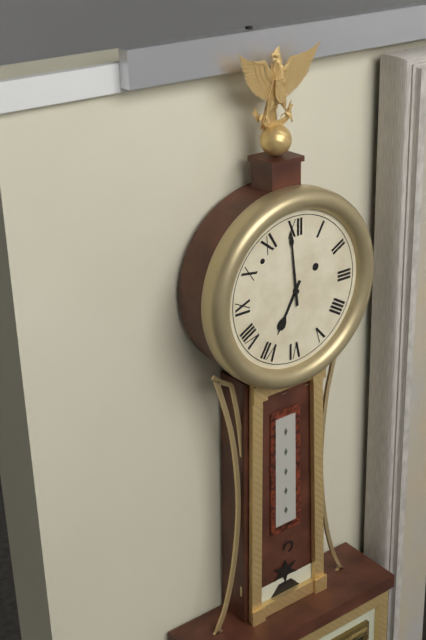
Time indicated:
6 h 59 min
